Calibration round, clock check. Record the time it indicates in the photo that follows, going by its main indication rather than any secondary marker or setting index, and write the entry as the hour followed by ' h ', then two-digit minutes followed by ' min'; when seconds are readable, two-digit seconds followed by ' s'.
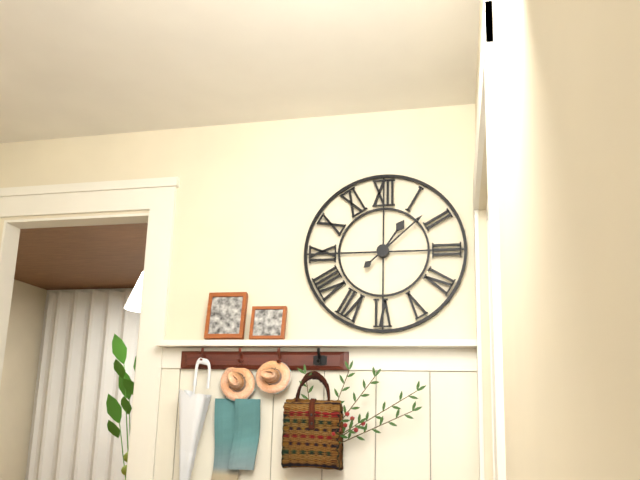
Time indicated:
1 h 08 min
